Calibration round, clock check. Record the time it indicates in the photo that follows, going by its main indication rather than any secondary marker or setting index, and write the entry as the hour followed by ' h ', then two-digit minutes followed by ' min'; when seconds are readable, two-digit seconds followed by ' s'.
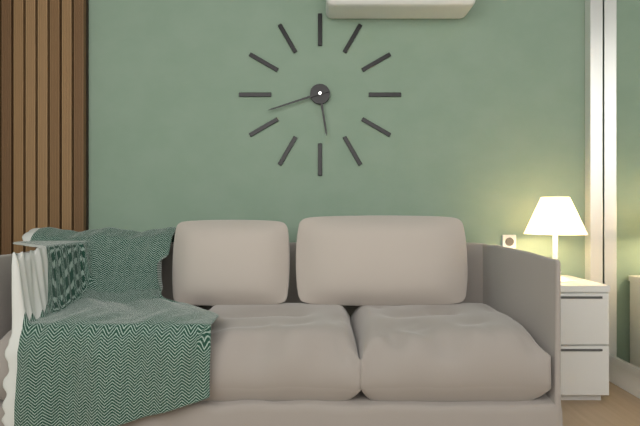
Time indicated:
5 h 42 min
